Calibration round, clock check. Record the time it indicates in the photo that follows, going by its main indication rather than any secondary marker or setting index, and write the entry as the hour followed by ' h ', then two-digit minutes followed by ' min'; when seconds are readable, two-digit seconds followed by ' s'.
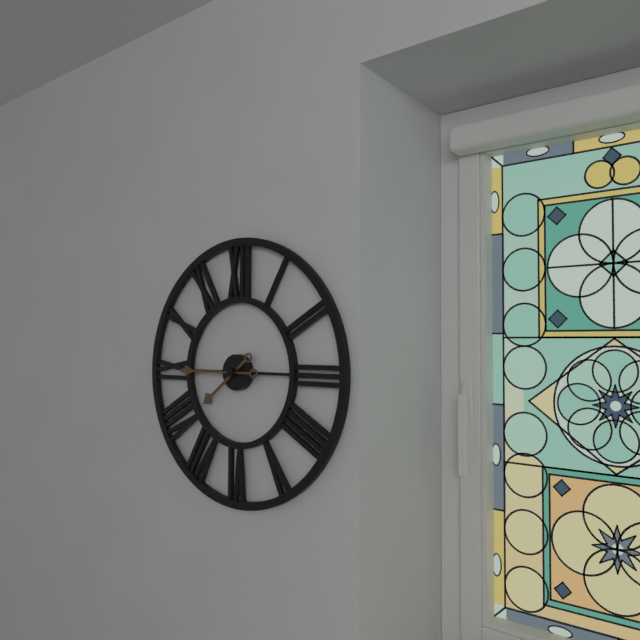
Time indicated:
7 h 45 min
